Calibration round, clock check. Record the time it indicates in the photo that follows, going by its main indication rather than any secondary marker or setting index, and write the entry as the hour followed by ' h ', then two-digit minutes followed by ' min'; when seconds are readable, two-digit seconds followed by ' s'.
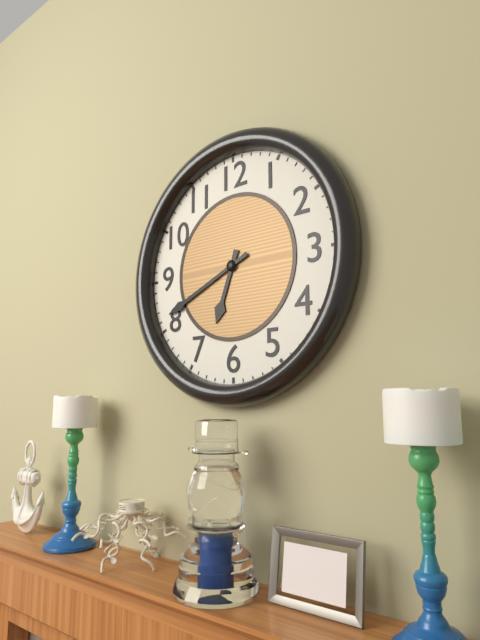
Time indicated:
6 h 41 min
